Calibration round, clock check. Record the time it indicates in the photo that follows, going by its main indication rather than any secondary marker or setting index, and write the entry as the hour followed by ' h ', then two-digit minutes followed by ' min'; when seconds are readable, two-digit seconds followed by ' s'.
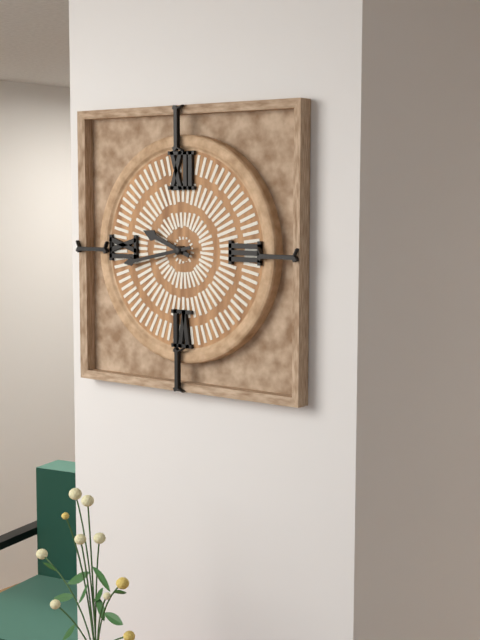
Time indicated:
9 h 43 min
